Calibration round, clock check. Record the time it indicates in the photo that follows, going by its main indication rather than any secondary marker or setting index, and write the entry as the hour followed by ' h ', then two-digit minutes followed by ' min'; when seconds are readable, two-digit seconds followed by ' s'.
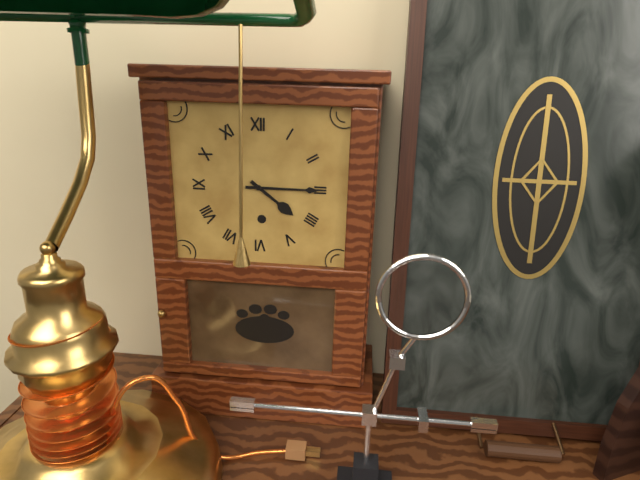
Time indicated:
4 h 15 min
